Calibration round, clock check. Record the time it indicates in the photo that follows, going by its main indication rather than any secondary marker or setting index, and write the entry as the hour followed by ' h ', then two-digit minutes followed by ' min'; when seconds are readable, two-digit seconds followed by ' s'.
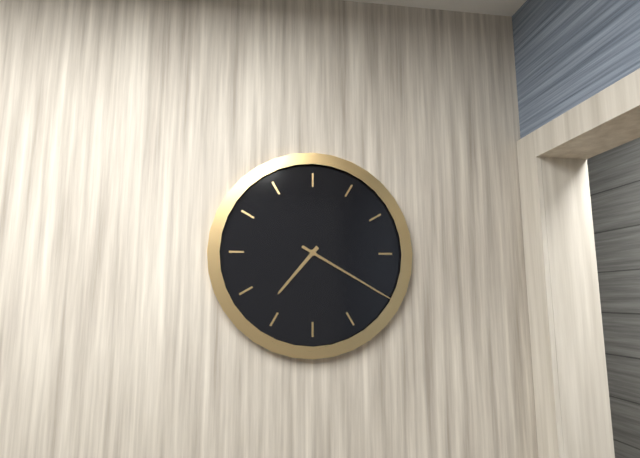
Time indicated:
7 h 20 min
